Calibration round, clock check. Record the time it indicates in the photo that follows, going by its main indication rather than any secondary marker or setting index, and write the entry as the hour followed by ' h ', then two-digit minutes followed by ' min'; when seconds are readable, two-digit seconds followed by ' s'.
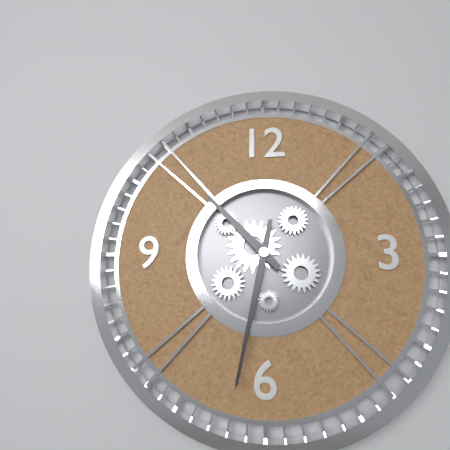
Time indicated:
10 h 32 min
